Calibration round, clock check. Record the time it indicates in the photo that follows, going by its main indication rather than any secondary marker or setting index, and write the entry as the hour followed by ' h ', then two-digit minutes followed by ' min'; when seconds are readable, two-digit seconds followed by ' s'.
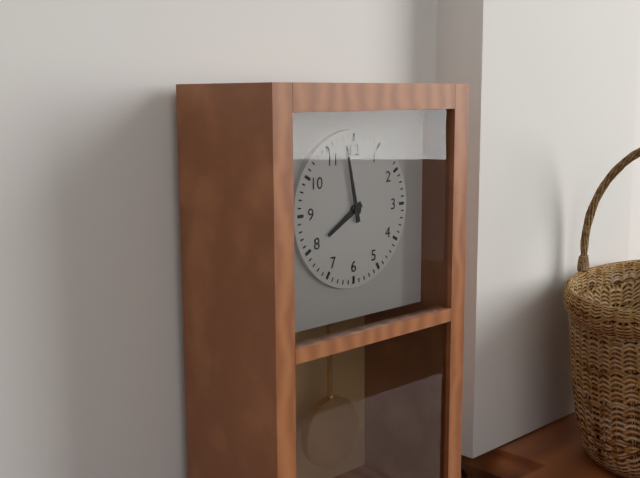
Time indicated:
7 h 58 min
